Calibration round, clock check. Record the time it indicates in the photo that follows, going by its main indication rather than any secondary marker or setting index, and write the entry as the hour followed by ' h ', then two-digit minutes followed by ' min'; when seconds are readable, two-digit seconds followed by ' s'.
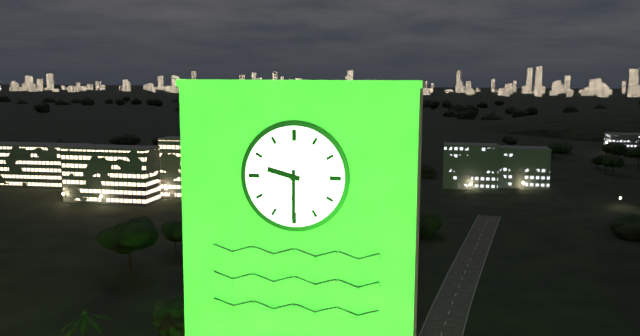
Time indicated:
9 h 30 min
